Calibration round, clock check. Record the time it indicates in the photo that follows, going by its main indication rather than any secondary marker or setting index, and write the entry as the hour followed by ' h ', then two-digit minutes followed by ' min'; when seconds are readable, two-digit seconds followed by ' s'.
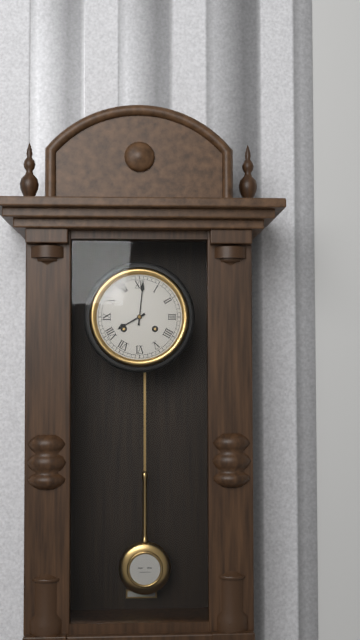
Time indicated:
8 h 01 min
